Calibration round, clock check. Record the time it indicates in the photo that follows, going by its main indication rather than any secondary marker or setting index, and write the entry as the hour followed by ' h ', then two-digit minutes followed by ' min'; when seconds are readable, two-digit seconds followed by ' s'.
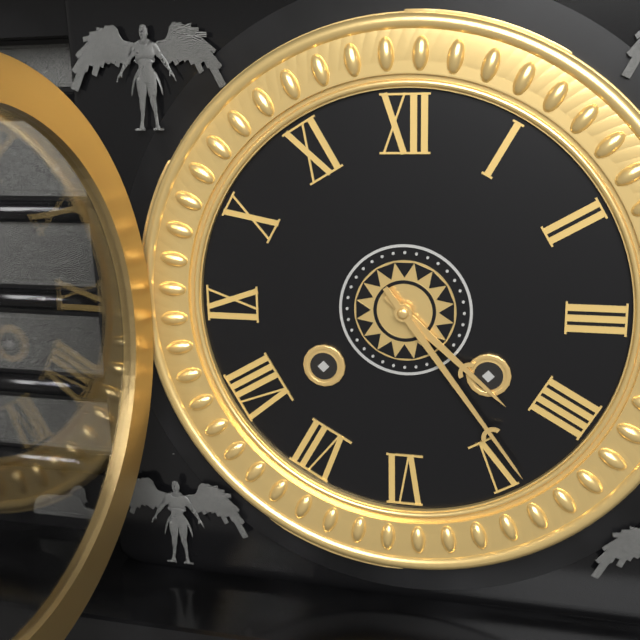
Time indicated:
4 h 24 min
